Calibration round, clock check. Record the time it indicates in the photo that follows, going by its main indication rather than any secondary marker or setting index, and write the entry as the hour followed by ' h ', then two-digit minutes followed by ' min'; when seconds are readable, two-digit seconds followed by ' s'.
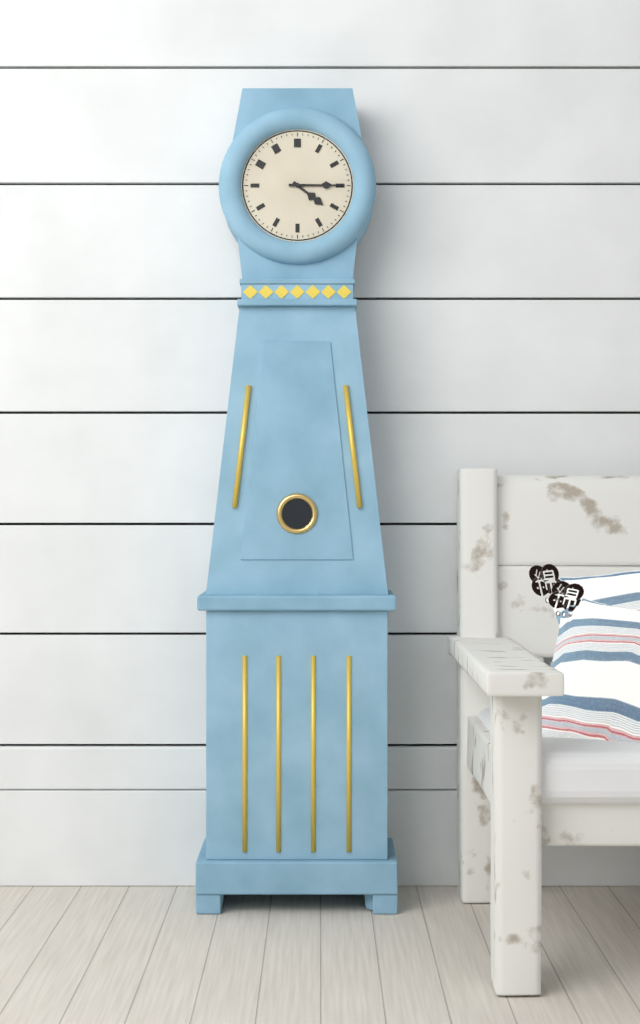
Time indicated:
4 h 15 min
